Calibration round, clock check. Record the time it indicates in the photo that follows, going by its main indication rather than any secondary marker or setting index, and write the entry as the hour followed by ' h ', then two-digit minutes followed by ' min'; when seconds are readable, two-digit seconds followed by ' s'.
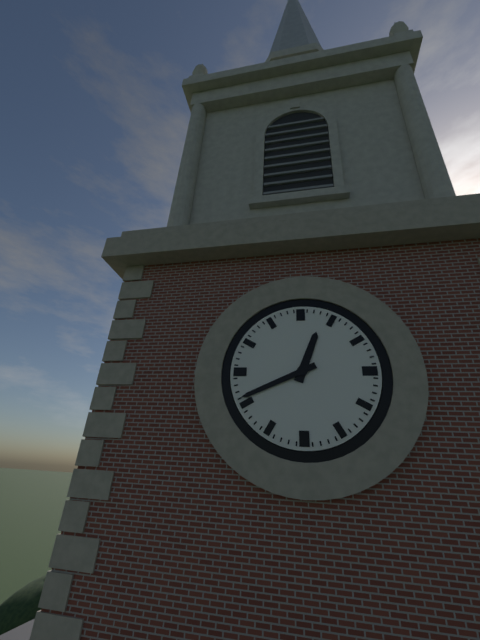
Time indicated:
12 h 41 min
